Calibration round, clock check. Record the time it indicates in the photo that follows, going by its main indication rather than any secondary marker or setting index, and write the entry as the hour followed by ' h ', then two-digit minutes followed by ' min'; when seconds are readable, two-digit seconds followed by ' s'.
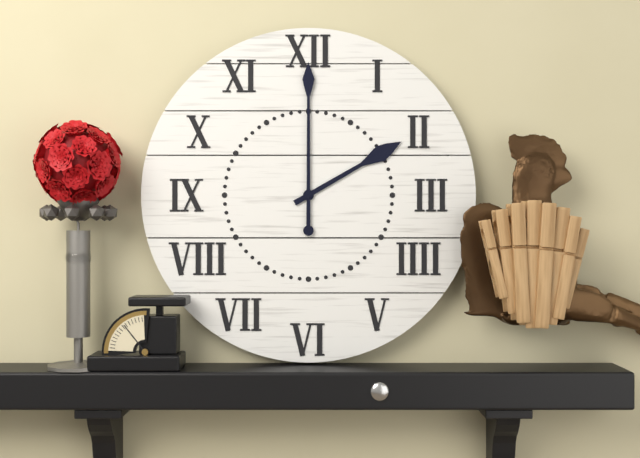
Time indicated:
2 h 00 min
